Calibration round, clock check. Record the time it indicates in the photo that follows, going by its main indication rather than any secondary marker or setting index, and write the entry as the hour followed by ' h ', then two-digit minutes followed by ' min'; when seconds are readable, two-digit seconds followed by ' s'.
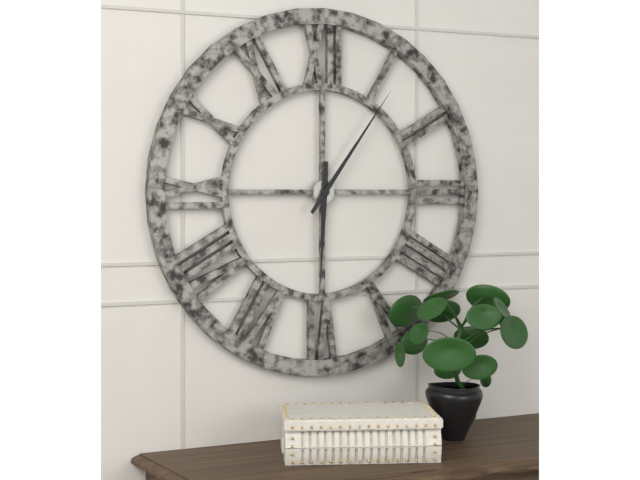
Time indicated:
6 h 06 min
